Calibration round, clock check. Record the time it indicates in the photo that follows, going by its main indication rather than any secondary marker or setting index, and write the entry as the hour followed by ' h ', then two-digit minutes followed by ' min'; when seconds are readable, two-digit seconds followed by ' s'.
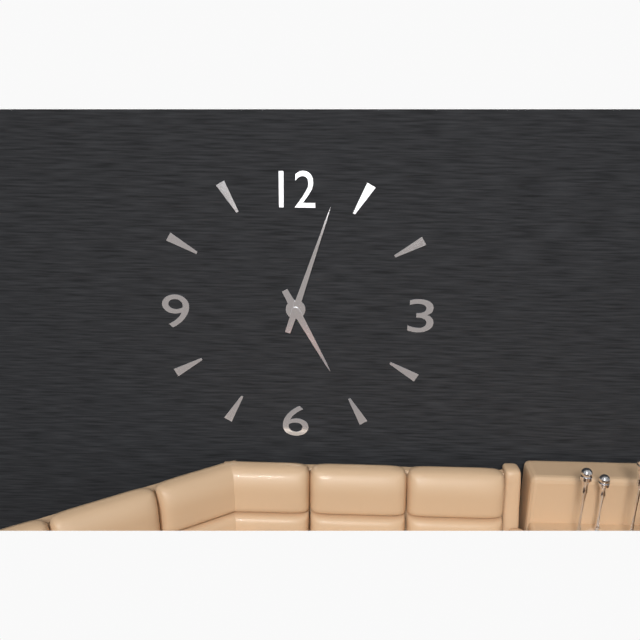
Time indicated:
5 h 03 min
